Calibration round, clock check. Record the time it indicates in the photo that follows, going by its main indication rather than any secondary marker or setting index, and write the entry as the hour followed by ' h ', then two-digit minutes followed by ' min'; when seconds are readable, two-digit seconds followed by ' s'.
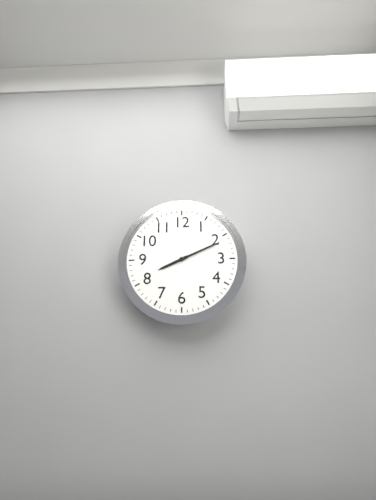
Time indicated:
8 h 11 min
